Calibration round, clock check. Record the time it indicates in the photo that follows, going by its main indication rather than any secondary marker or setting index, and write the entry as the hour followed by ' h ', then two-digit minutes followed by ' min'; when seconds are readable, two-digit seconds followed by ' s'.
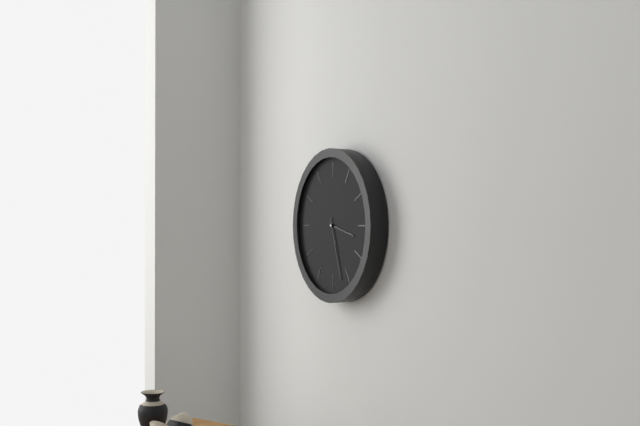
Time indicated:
3 h 27 min
